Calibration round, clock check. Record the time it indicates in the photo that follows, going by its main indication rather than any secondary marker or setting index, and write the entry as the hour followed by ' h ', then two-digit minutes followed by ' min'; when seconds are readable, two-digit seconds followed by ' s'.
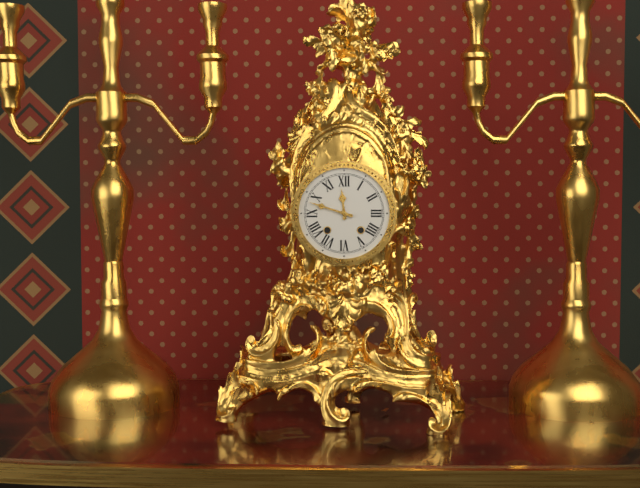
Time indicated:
11 h 48 min
